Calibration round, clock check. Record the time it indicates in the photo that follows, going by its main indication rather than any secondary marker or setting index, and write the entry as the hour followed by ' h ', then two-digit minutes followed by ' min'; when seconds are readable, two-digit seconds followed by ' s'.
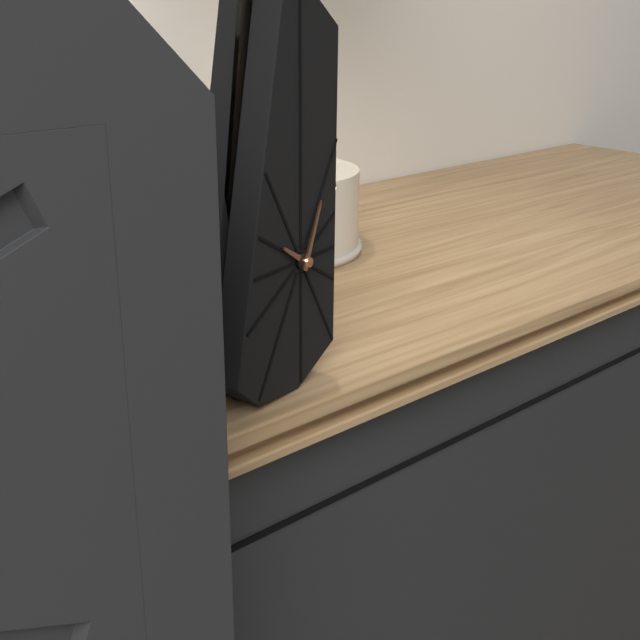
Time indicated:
10 h 04 min
